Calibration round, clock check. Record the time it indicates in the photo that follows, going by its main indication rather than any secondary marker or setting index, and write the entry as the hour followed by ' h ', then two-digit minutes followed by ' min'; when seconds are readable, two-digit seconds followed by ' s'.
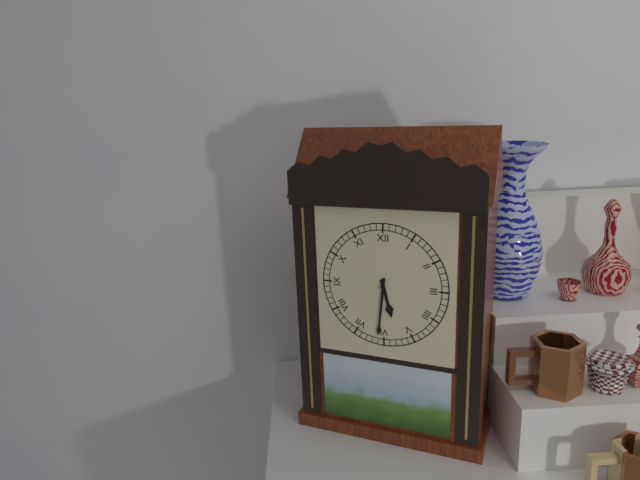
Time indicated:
5 h 31 min
